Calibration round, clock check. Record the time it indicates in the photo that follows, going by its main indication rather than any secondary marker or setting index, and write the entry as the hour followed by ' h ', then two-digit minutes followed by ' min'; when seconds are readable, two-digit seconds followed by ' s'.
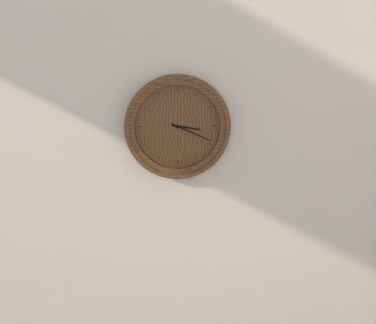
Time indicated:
3 h 19 min
